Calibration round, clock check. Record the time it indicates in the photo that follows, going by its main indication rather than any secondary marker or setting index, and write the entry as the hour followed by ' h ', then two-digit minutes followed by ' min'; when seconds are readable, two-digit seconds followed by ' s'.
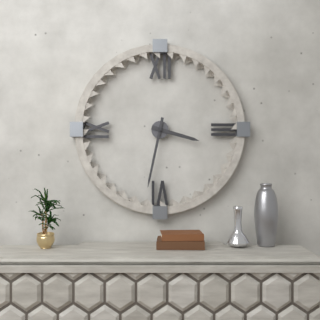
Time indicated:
3 h 32 min
